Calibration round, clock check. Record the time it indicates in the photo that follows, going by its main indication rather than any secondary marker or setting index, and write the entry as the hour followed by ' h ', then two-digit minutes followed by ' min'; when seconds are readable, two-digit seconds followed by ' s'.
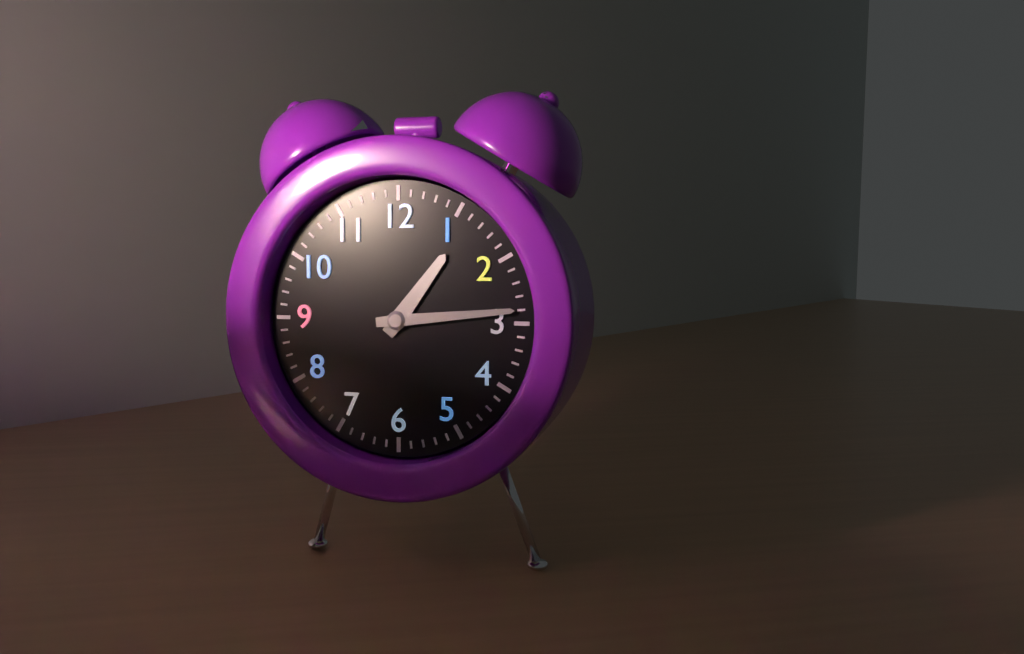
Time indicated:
1 h 14 min
